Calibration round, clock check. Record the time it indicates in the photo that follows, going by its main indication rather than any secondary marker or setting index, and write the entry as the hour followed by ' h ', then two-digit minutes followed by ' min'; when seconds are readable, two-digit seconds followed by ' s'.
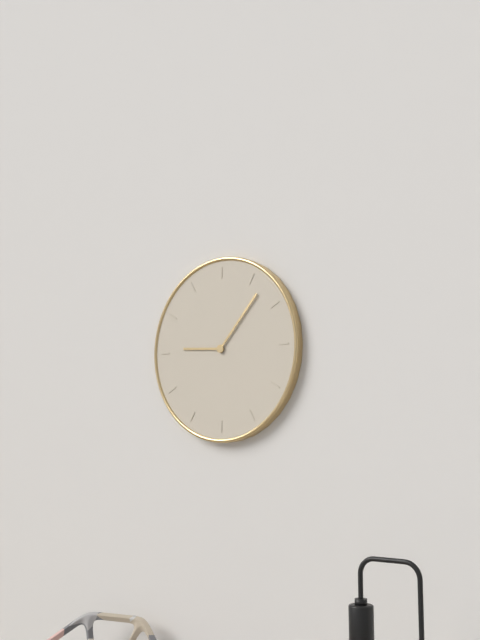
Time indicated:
9 h 07 min
